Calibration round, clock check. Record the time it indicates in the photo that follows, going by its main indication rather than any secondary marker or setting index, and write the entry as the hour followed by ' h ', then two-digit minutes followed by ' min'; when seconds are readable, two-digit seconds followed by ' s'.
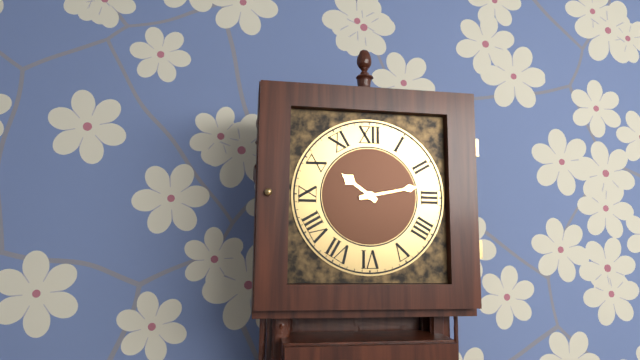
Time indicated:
10 h 13 min
